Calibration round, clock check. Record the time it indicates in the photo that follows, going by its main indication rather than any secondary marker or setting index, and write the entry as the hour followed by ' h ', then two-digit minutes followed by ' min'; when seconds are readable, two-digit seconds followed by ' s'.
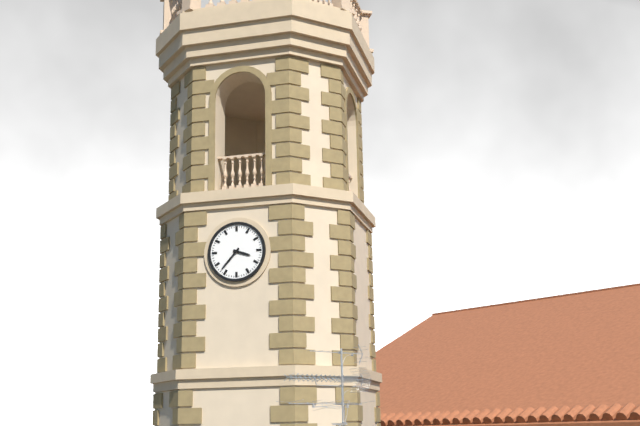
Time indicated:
3 h 37 min
